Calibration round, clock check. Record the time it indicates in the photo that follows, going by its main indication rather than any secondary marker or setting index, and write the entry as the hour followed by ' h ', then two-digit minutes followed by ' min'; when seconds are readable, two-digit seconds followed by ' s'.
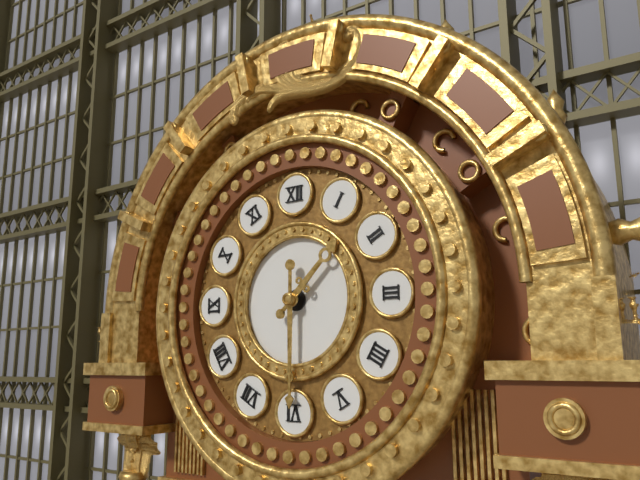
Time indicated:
1 h 30 min
